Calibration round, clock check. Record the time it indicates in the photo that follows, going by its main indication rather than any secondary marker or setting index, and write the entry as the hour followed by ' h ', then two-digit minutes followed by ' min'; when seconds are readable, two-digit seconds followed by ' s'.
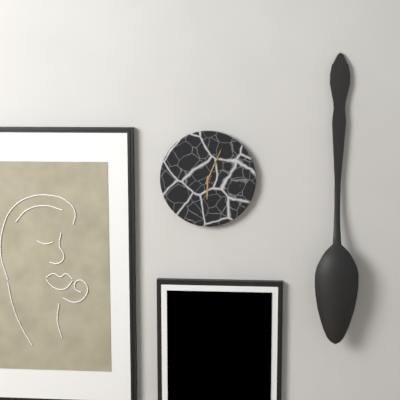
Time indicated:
6 h 04 min
